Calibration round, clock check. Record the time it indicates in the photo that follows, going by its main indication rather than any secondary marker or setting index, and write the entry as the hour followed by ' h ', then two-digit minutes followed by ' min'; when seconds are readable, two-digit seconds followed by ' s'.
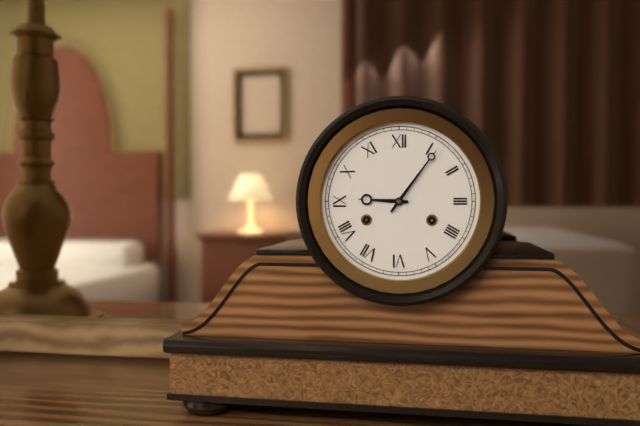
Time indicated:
9 h 06 min
